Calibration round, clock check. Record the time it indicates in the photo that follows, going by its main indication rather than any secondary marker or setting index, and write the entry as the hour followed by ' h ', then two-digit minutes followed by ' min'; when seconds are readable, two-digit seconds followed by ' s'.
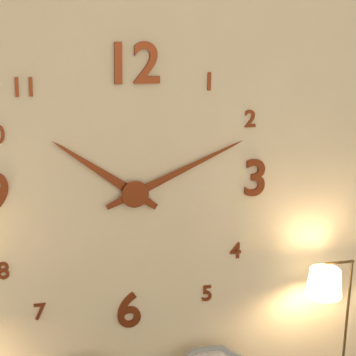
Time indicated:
10 h 11 min
